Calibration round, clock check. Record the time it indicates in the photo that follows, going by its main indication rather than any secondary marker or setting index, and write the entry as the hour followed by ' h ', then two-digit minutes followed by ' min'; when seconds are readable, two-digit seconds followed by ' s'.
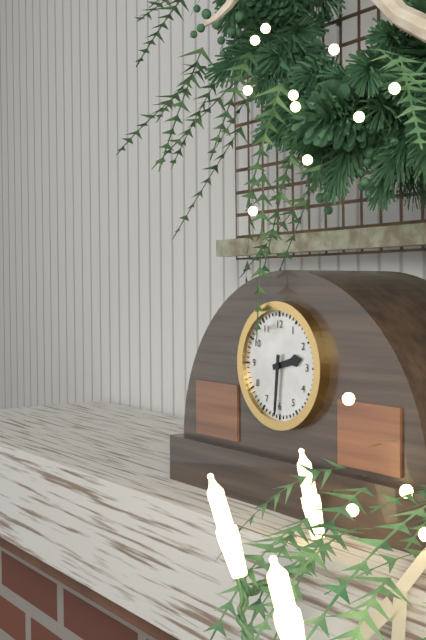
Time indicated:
2 h 31 min
